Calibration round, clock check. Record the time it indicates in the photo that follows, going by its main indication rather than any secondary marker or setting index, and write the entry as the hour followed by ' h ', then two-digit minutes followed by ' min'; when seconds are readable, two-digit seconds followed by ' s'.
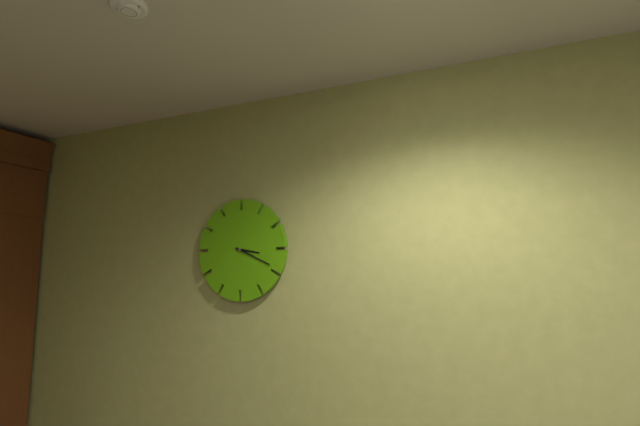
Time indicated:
3 h 19 min
